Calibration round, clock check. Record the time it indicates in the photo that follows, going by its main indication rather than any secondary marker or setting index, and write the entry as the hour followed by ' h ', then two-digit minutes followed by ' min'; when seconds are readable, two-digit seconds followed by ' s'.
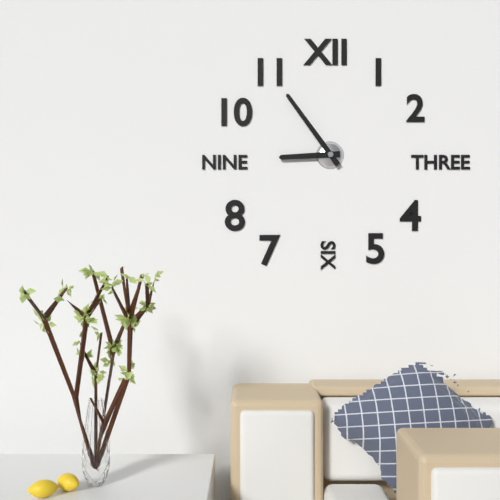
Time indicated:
8 h 54 min
